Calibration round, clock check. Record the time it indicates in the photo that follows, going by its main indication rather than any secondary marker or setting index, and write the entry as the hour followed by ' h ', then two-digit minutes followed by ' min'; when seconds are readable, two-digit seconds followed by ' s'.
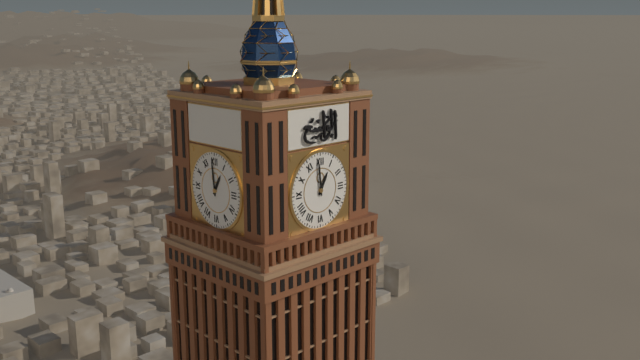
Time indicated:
12 h 59 min
